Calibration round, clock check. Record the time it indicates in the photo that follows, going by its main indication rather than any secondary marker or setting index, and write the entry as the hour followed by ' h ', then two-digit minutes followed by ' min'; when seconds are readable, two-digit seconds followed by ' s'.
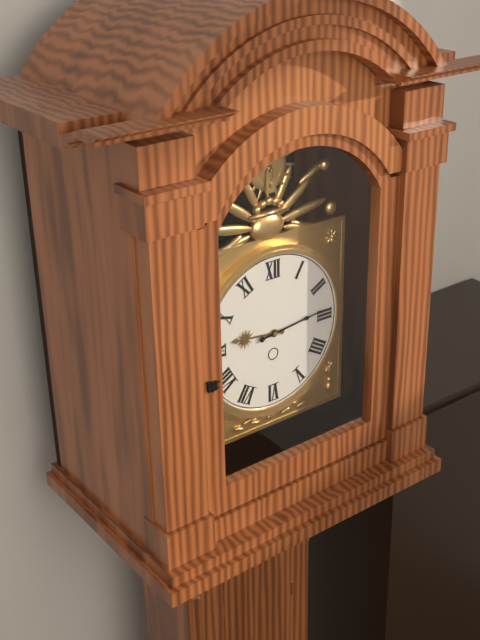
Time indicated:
9 h 14 min
